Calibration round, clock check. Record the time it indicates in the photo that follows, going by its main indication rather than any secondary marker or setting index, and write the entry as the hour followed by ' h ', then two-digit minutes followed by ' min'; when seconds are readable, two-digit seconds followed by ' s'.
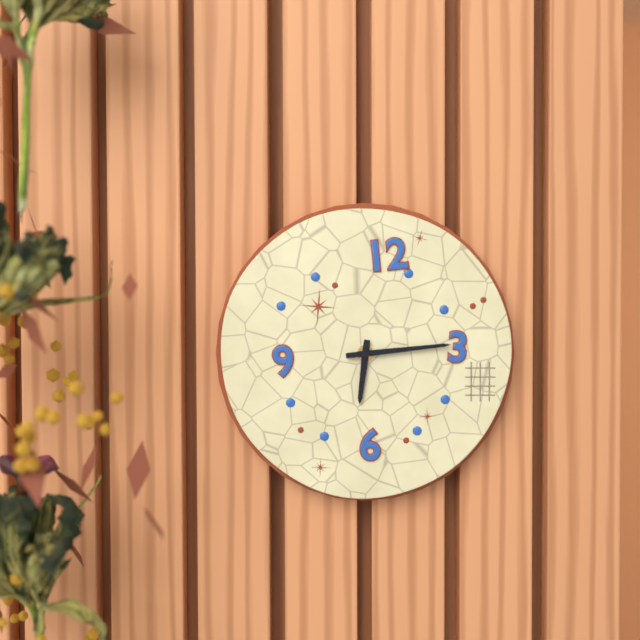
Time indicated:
6 h 14 min
